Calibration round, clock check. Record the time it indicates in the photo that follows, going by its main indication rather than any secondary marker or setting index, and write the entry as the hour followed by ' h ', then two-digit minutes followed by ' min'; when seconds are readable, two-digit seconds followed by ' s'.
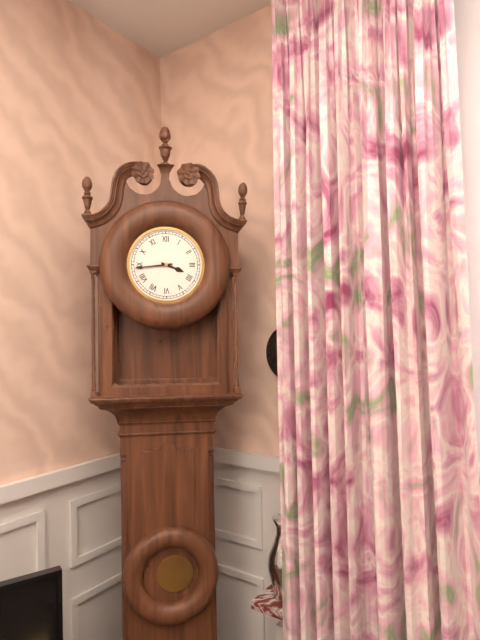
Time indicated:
3 h 44 min
